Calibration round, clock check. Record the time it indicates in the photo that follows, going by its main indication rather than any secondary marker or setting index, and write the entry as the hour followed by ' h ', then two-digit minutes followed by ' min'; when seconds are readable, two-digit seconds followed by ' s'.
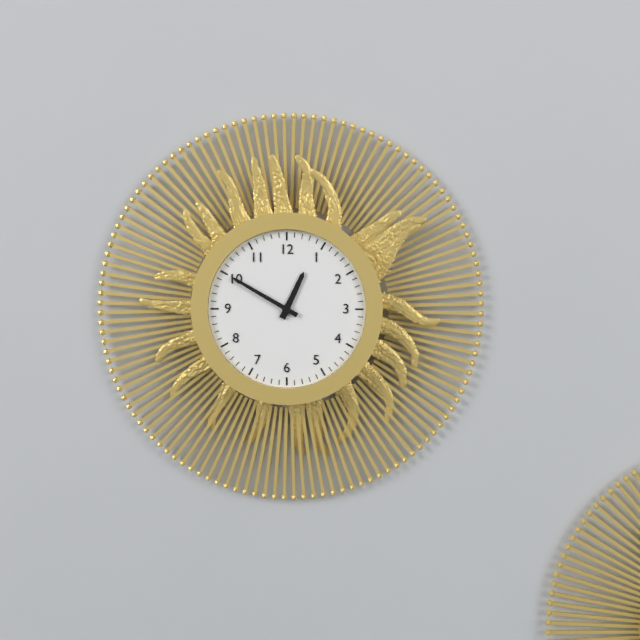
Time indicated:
12 h 50 min
